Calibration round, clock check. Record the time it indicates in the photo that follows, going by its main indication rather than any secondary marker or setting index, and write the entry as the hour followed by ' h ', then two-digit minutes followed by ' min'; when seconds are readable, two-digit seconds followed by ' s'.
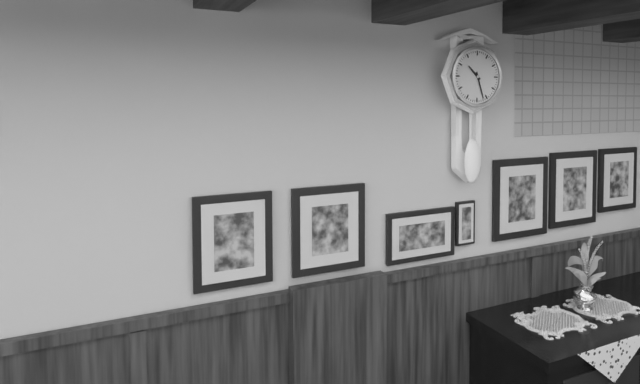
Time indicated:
10 h 27 min
